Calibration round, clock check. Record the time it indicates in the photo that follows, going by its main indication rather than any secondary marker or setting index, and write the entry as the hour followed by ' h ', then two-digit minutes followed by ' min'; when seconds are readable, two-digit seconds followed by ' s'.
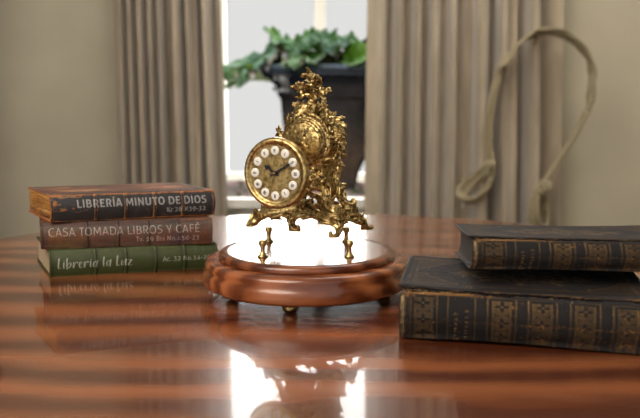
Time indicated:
10 h 10 min
